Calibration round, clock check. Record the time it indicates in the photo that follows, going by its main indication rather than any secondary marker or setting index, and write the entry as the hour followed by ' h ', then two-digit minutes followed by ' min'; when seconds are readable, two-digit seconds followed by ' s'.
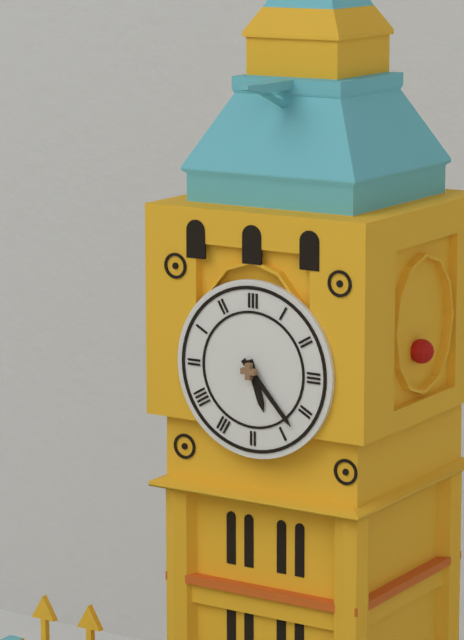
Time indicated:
5 h 23 min
